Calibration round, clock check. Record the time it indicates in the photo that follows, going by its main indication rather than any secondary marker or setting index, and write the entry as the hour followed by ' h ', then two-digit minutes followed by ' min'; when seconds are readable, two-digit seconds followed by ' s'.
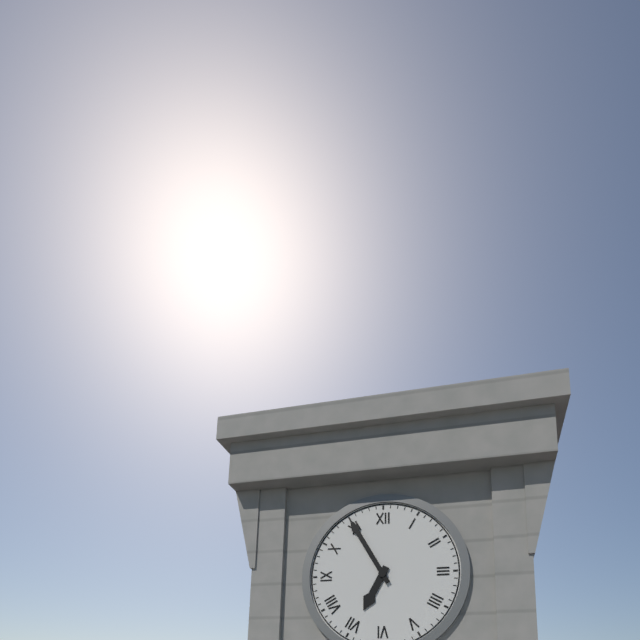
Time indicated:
6 h 55 min
